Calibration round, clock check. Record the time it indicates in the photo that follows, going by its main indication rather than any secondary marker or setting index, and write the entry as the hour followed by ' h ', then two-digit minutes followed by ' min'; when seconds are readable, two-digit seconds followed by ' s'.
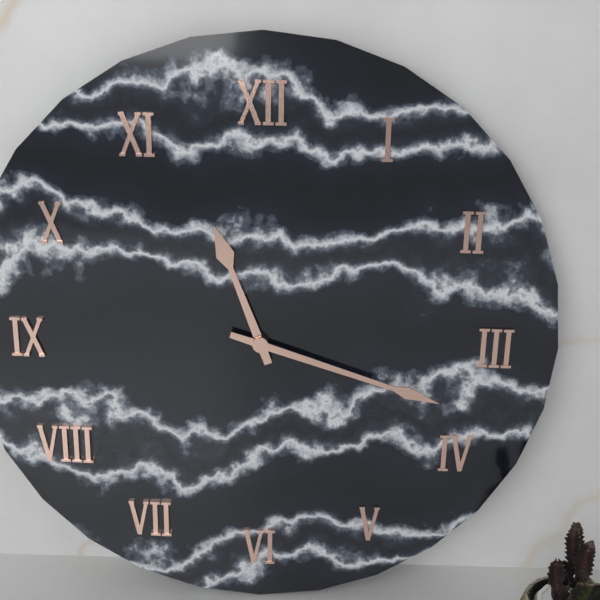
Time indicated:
11 h 18 min
